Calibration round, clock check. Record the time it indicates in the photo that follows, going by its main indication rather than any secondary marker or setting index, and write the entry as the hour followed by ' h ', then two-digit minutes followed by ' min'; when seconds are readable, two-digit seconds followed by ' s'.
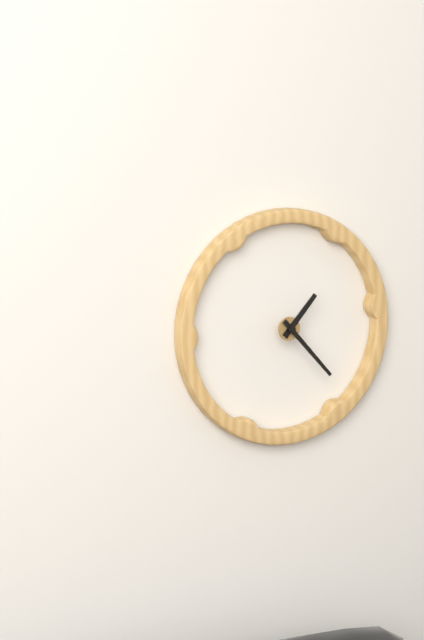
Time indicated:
1 h 23 min
